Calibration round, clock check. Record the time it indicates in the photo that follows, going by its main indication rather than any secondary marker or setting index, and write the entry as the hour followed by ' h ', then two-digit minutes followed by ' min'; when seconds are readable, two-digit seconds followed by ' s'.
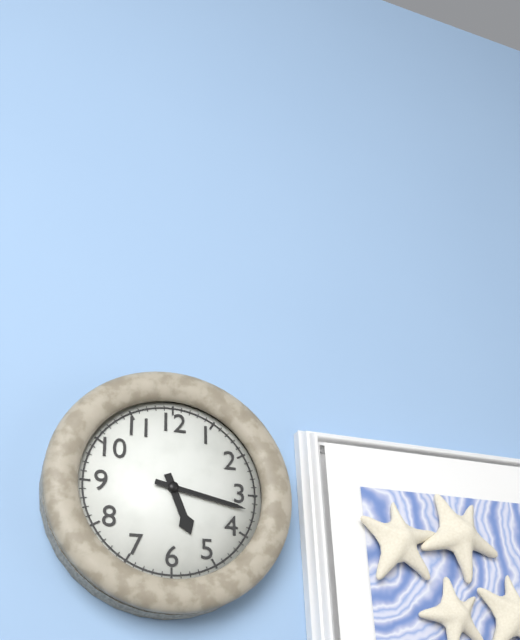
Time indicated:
5 h 17 min
